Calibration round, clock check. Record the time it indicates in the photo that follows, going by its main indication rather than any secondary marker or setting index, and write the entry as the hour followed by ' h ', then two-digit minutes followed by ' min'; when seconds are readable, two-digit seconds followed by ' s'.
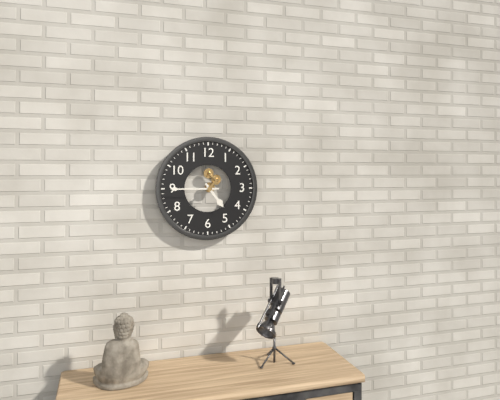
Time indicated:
4 h 45 min
